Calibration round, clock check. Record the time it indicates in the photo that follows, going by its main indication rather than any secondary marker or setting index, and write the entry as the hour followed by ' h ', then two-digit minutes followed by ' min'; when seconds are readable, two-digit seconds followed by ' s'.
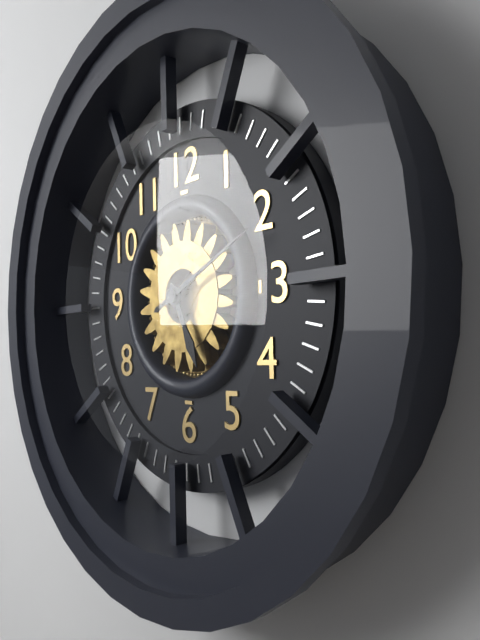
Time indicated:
5 h 11 min
